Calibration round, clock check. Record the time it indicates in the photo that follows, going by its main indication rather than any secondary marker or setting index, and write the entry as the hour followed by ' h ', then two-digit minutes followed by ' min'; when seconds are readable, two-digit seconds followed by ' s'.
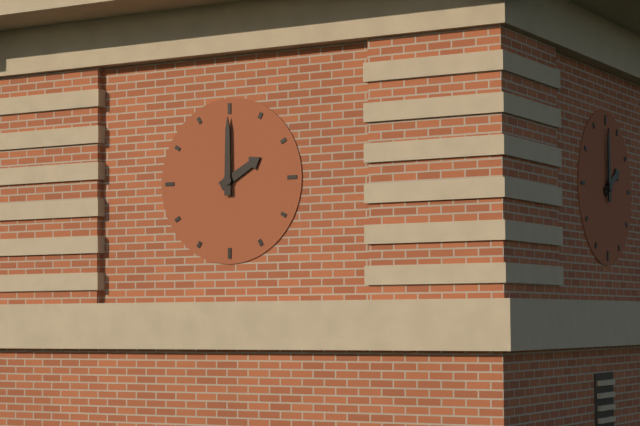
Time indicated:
2 h 00 min
